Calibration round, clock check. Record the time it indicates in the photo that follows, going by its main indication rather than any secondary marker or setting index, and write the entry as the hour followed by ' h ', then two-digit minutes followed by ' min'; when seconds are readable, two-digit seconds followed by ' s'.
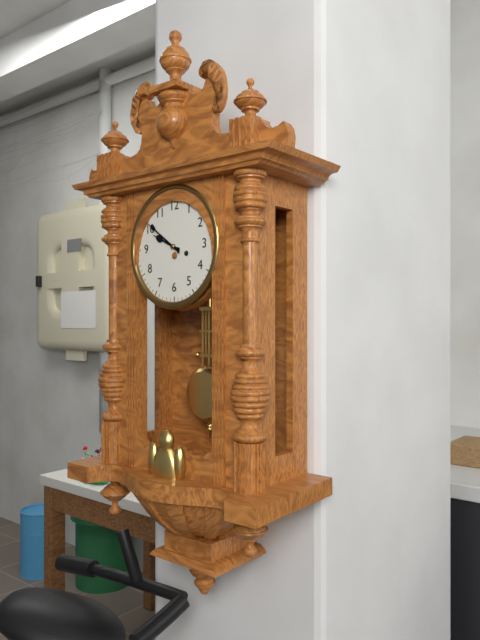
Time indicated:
9 h 51 min
